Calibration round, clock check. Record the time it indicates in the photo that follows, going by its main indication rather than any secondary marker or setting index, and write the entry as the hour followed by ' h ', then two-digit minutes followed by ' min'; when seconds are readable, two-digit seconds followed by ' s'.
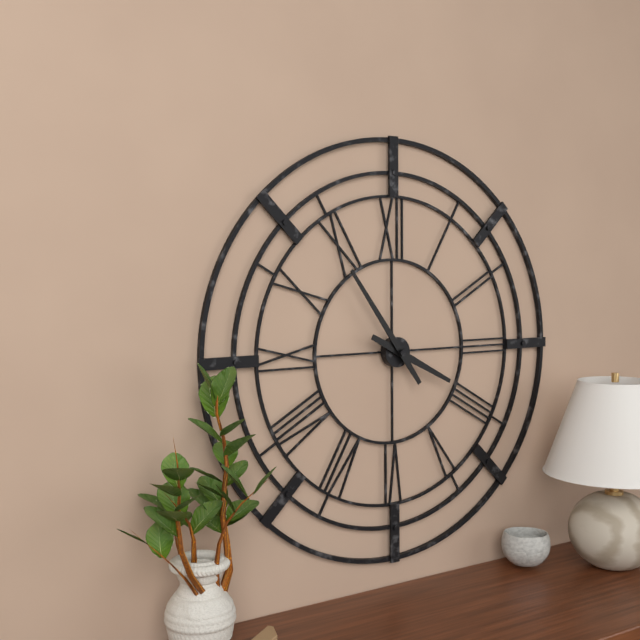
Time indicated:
3 h 54 min
